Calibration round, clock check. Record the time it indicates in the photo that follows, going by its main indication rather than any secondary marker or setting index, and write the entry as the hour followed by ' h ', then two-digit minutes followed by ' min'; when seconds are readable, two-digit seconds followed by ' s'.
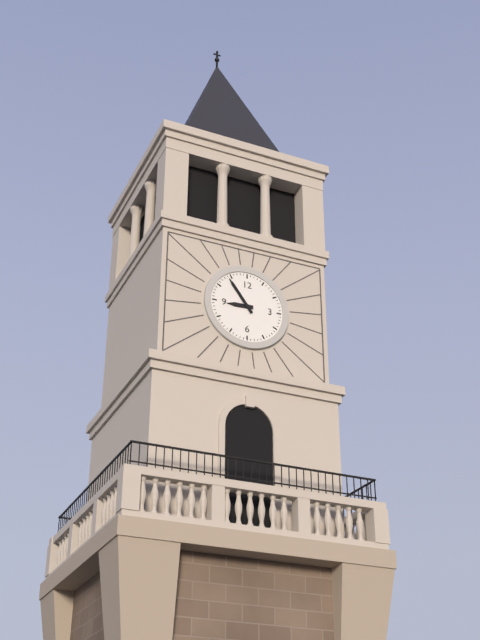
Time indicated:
8 h 54 min
